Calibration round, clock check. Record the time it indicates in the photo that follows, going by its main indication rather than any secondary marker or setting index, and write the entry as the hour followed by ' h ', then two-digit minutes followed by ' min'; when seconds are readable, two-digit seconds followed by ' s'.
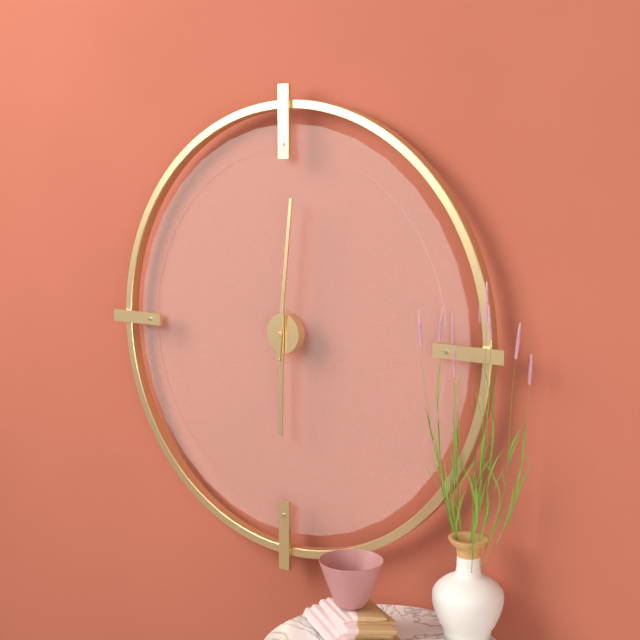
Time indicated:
6 h 01 min
